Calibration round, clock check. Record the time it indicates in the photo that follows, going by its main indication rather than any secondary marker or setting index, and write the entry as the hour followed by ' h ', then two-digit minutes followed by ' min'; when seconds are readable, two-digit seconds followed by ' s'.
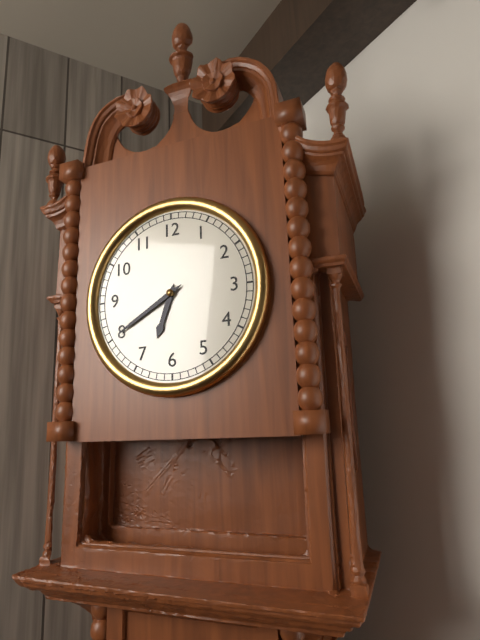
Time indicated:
6 h 40 min
